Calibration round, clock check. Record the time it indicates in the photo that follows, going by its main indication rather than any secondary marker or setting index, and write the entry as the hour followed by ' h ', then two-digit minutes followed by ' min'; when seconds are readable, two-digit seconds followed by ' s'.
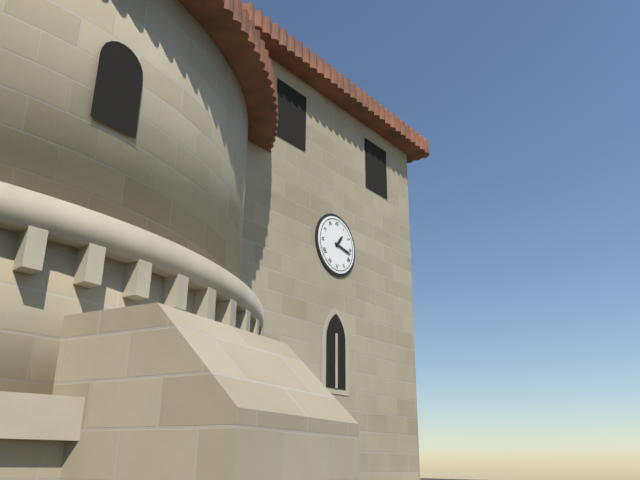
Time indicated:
1 h 17 min
